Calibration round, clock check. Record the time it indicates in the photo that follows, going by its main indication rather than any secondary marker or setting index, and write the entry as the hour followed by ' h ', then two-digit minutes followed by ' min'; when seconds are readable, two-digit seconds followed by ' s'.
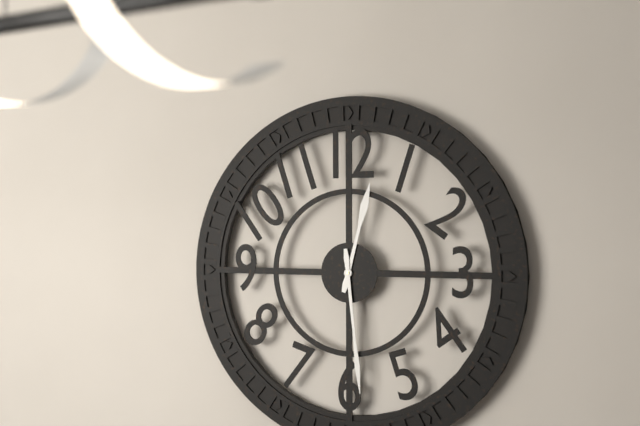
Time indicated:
12 h 29 min
